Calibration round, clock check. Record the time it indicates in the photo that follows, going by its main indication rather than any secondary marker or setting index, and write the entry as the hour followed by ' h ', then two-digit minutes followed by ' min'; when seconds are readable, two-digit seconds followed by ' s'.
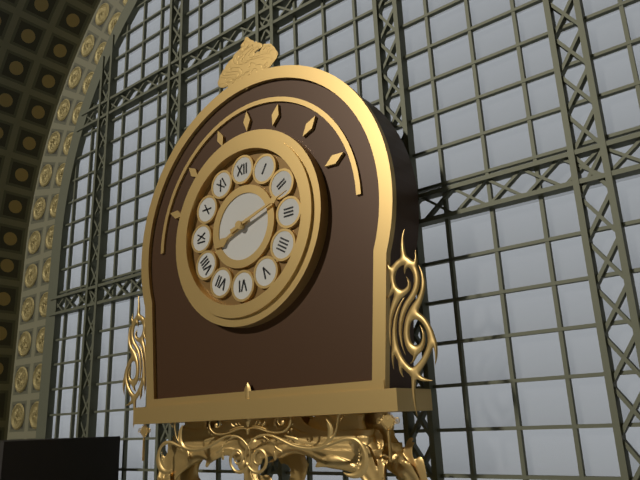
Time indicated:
8 h 12 min
